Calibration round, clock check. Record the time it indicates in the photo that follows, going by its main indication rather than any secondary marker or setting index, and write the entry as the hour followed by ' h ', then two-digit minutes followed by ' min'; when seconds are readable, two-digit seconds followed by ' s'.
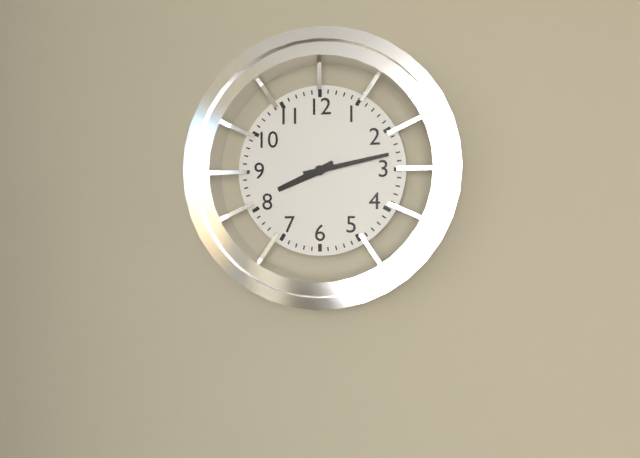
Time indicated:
8 h 13 min
